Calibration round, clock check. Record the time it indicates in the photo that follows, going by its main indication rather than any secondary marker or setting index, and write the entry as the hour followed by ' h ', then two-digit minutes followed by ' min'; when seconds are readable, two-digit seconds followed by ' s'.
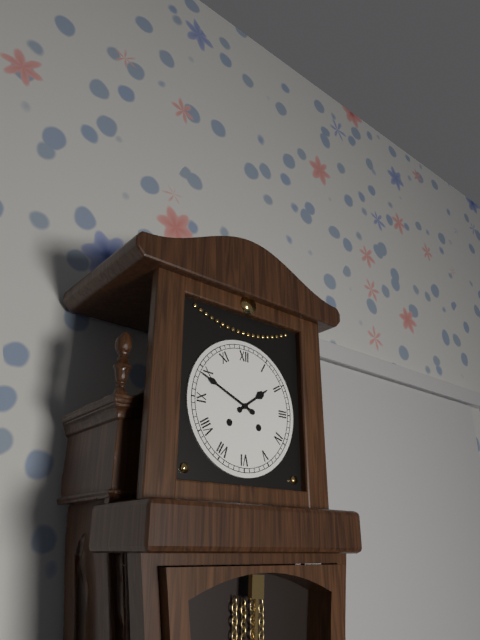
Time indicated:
1 h 49 min
